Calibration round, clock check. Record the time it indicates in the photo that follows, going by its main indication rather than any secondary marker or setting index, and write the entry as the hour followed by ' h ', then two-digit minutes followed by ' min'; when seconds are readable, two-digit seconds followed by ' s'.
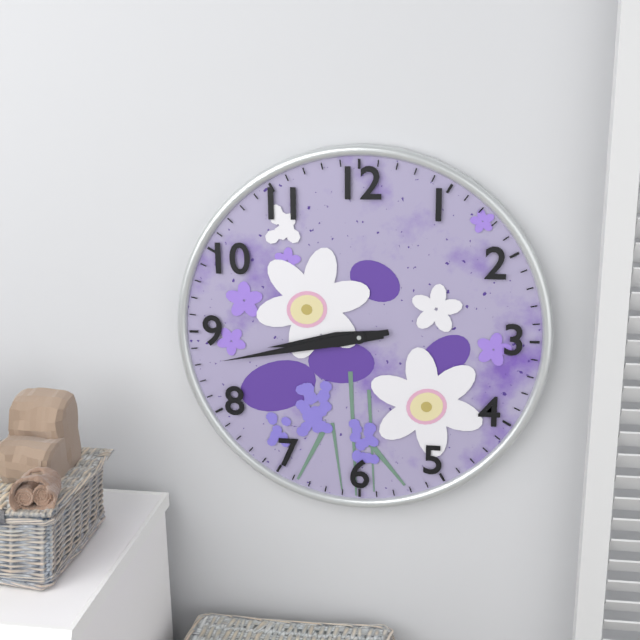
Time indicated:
8 h 43 min
